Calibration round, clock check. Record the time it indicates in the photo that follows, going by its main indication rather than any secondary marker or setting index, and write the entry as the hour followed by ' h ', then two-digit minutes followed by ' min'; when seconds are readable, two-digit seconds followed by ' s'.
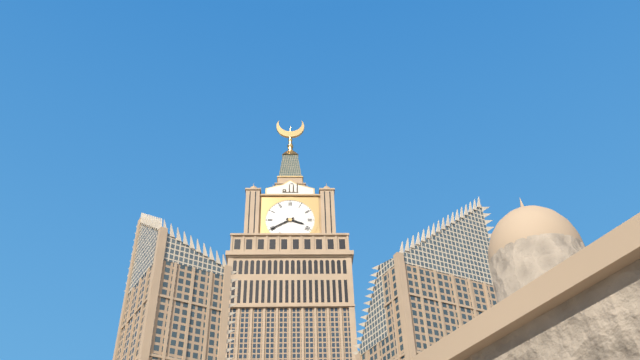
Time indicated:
3 h 40 min
